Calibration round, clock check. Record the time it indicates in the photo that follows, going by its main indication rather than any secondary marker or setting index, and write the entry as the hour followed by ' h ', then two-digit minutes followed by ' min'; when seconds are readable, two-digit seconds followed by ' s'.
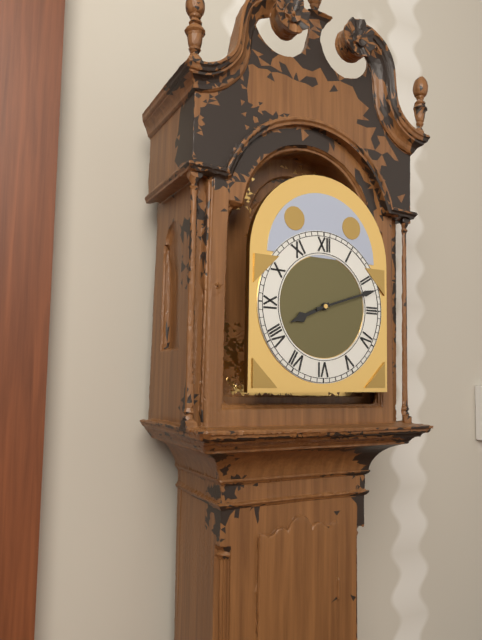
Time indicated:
8 h 12 min
